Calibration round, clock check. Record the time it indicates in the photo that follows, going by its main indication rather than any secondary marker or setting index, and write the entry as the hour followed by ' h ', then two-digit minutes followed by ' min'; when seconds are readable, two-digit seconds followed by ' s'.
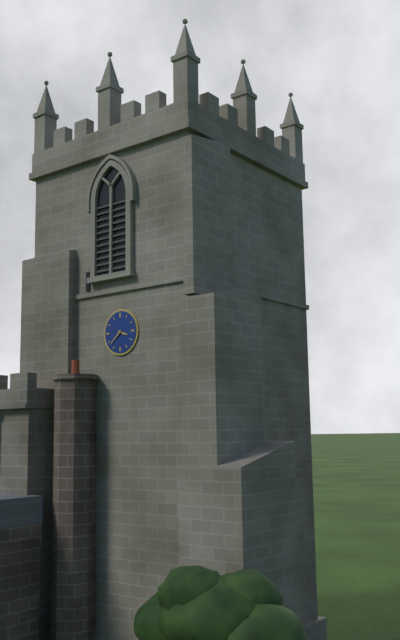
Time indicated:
3 h 38 min
